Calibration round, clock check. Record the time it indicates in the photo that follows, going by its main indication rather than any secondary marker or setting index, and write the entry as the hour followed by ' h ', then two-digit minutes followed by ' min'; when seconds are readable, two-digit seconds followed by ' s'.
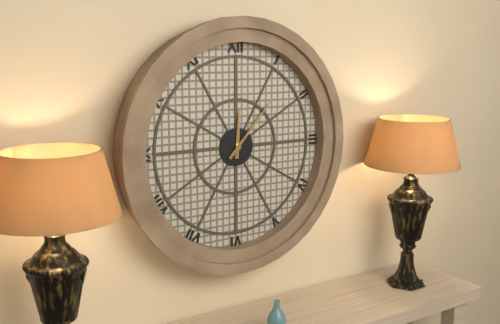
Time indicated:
12 h 07 min
